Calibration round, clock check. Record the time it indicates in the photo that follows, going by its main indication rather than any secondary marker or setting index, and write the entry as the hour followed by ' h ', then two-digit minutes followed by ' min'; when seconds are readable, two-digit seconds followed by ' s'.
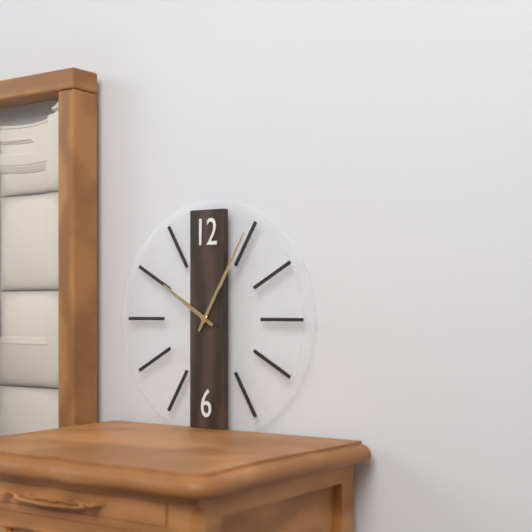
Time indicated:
10 h 05 min
